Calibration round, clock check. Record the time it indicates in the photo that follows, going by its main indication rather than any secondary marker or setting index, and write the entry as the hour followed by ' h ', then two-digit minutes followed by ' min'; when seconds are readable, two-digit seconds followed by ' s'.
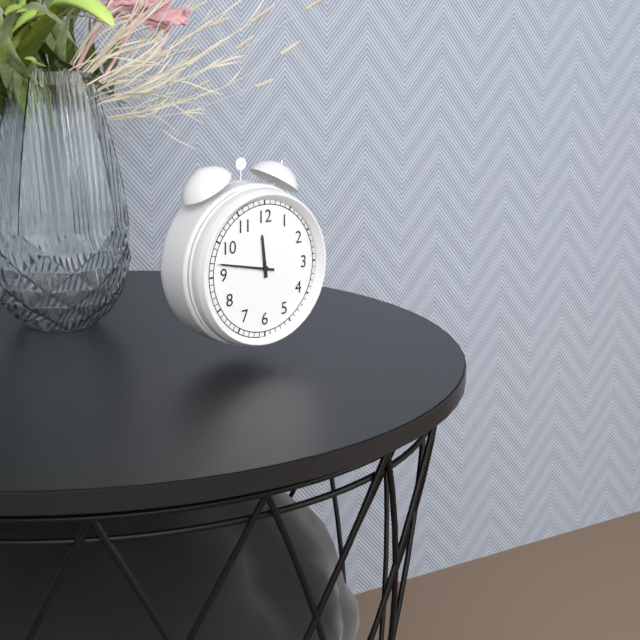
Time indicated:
11 h 47 min
